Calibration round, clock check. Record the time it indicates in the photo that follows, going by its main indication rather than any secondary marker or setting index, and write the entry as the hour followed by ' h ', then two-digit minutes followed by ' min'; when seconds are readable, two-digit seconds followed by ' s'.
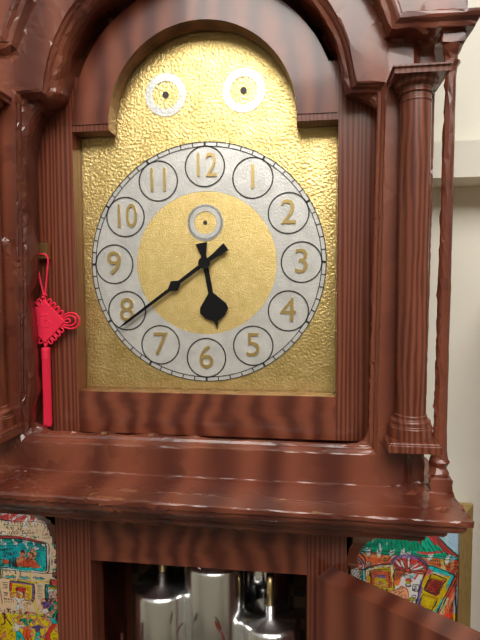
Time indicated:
5 h 39 min
